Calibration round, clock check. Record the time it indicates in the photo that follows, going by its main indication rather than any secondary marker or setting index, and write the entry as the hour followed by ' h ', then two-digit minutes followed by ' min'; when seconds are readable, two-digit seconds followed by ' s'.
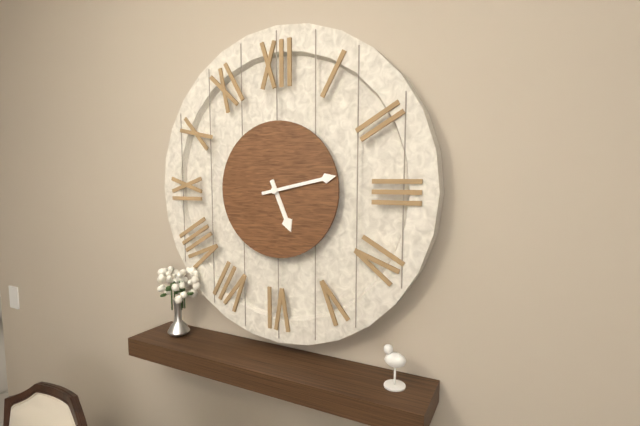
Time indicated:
5 h 13 min
